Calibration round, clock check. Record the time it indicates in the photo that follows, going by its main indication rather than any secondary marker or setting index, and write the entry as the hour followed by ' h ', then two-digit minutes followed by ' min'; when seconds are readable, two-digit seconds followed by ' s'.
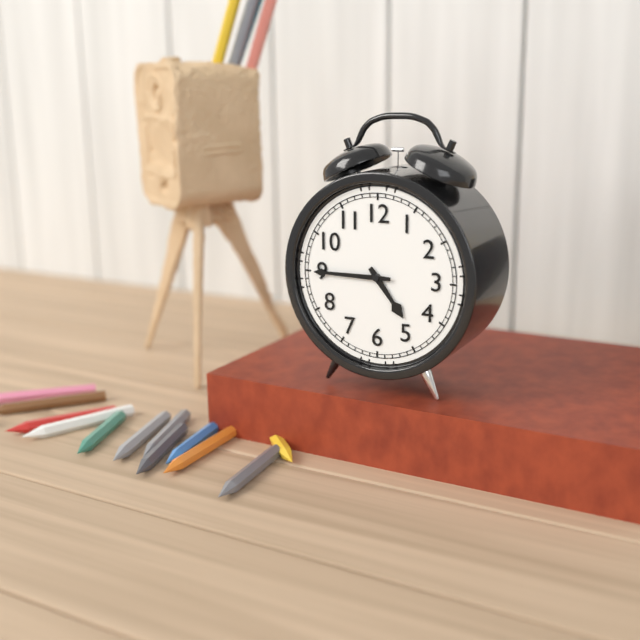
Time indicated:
4 h 45 min
